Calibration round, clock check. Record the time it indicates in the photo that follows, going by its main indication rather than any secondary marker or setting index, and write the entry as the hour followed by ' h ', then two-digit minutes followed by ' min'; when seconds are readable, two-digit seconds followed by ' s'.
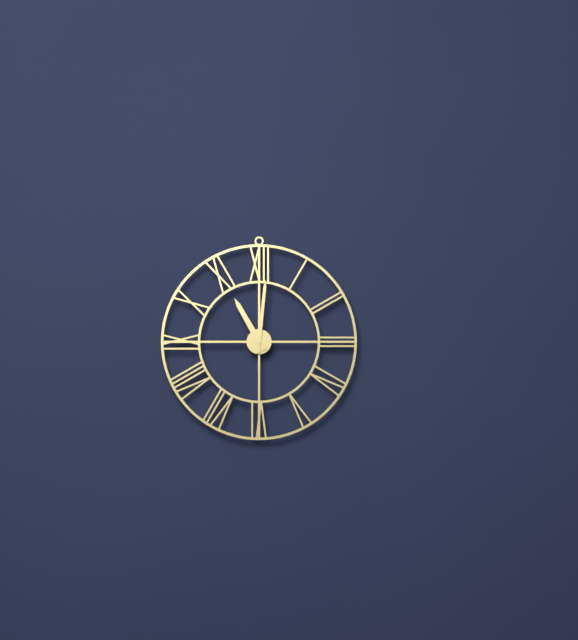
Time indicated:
11 h 01 min
